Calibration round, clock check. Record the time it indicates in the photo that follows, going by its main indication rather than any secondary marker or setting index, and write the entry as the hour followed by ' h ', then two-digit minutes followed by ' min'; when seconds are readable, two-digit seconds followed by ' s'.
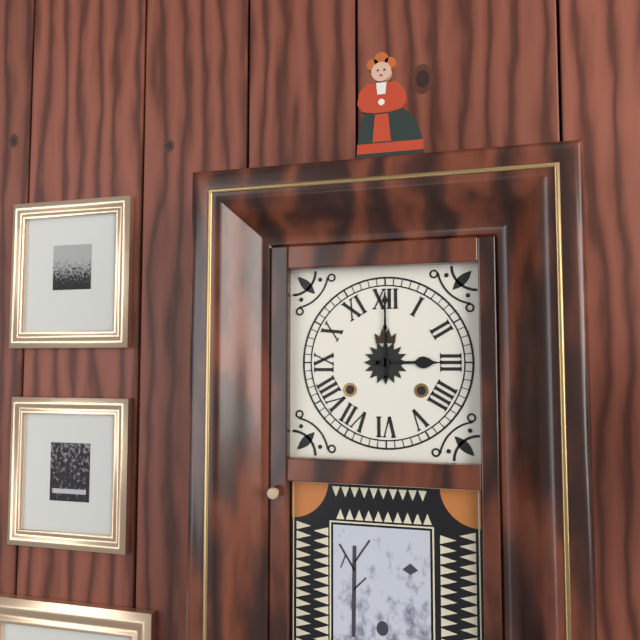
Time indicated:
3 h 00 min
